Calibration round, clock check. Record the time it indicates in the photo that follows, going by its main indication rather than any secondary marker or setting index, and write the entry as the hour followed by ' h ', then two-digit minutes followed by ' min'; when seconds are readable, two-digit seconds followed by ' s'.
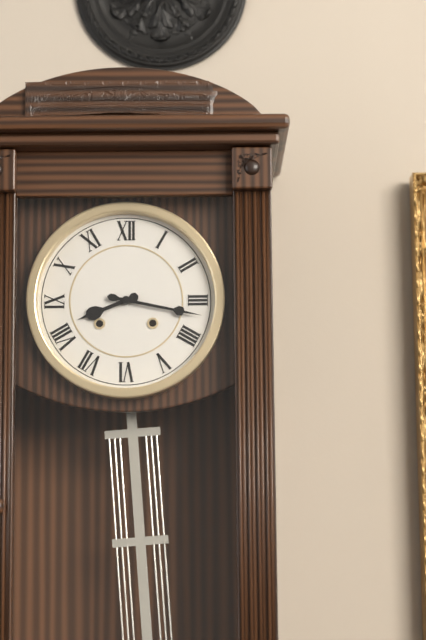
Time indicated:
8 h 17 min
